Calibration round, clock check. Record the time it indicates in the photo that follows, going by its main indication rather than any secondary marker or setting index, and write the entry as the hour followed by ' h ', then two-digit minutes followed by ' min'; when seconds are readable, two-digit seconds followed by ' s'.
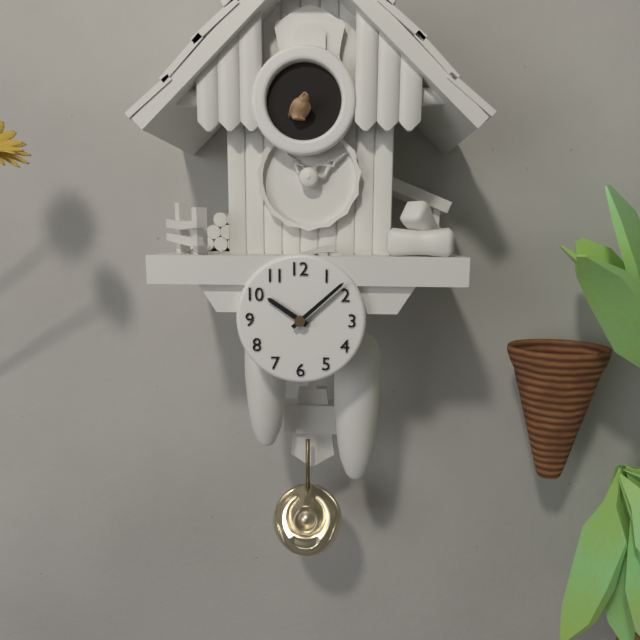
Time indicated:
10 h 08 min
